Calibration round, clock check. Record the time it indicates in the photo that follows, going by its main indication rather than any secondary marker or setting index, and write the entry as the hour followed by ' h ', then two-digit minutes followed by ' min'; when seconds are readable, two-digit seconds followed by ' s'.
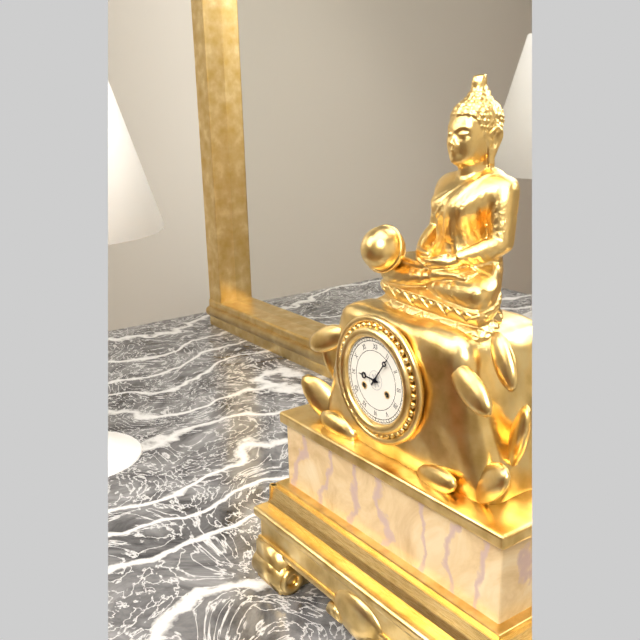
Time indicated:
9 h 06 min
